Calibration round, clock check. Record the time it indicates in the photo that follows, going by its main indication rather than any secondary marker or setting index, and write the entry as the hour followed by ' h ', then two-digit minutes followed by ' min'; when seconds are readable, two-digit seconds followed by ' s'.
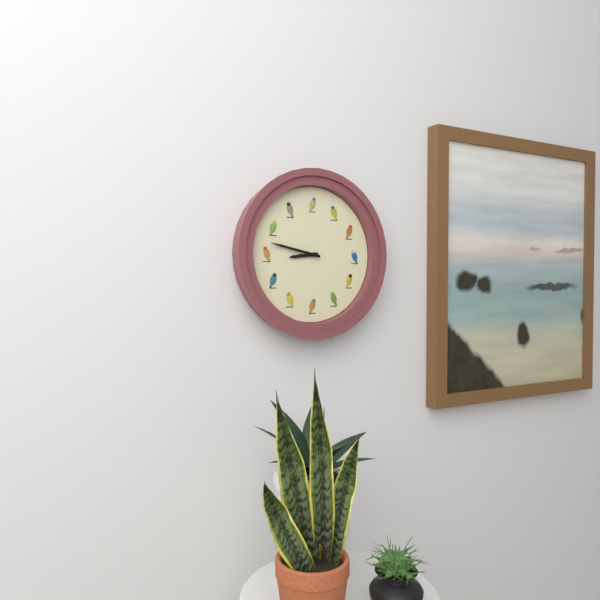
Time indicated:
8 h 47 min
